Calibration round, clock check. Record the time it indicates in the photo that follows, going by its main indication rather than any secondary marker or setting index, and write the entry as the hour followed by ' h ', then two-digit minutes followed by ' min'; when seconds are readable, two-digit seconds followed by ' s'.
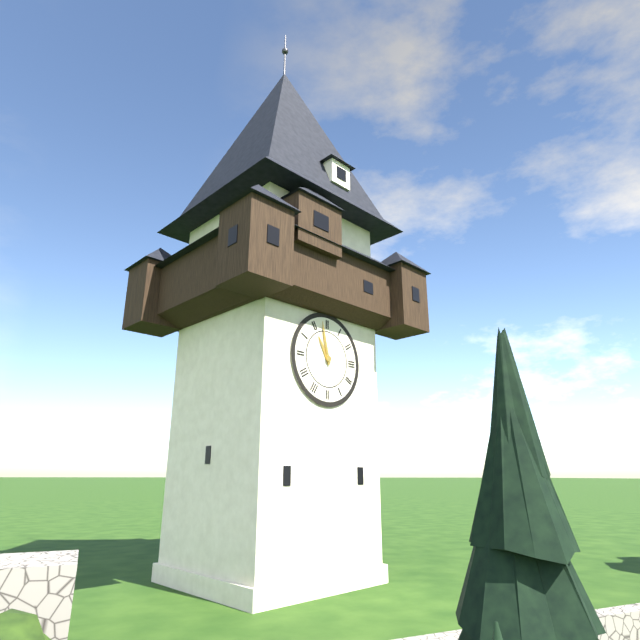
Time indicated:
10 h 58 min
